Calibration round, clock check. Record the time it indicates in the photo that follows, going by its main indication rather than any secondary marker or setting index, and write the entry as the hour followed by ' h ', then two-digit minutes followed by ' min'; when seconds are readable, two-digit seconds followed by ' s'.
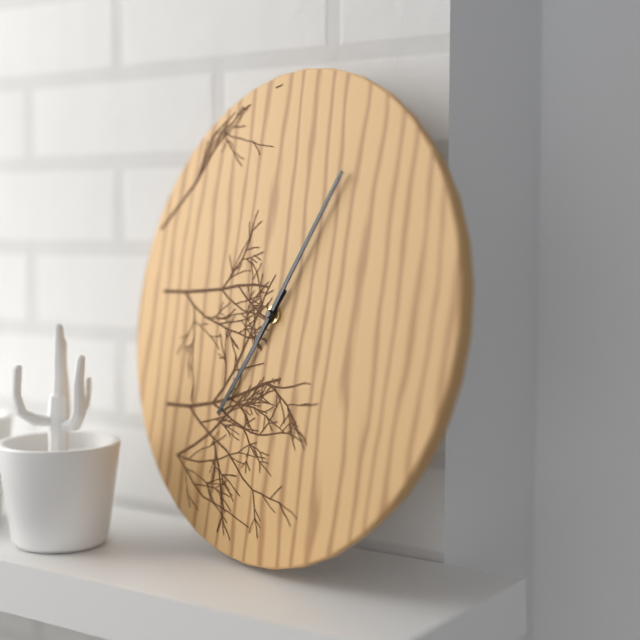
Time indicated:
7 h 05 min
